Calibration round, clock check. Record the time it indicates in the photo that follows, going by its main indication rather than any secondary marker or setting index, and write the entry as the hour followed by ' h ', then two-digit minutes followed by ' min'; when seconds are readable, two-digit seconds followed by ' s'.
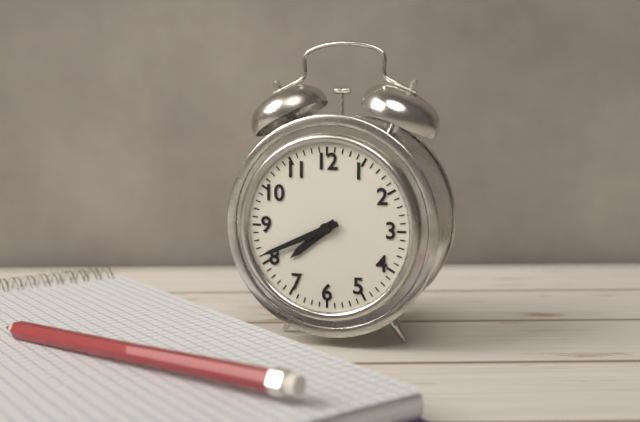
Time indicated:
7 h 41 min
